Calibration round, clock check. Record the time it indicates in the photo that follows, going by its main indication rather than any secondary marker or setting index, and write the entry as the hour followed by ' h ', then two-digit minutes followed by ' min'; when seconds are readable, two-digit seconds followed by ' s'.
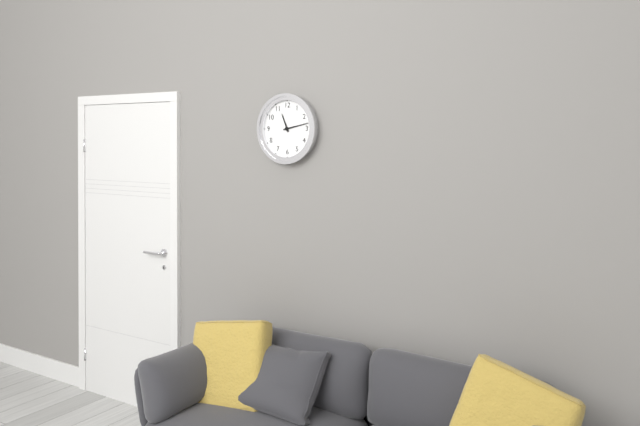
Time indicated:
11 h 13 min
